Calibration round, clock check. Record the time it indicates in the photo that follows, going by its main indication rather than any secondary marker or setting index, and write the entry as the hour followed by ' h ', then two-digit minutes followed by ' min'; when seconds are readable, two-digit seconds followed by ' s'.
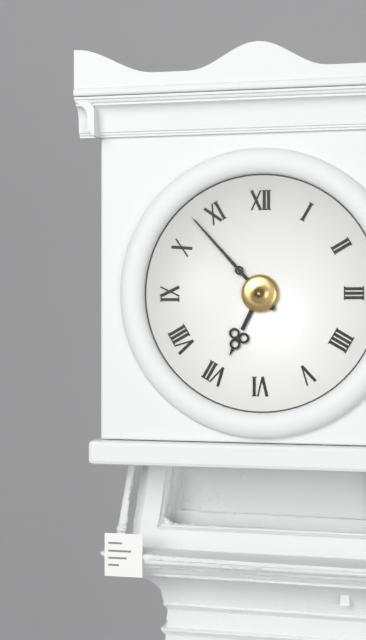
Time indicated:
6 h 53 min
